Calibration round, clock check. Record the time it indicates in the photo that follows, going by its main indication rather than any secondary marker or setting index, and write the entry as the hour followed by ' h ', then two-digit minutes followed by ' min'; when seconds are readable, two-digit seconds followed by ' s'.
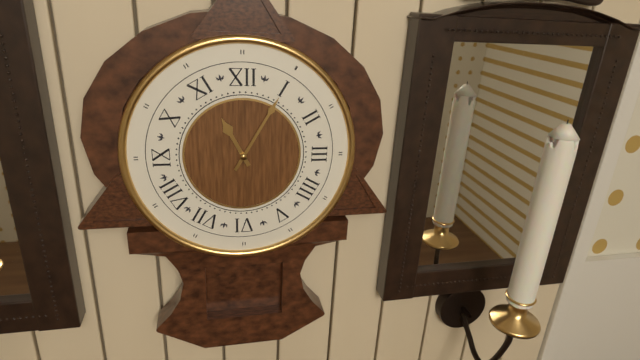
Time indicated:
11 h 05 min
